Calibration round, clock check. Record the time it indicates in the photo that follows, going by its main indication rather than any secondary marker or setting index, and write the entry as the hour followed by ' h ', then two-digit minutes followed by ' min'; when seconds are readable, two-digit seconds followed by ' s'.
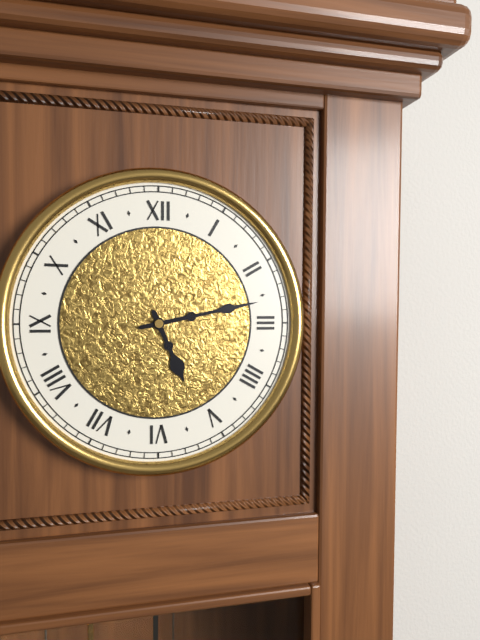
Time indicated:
5 h 13 min
